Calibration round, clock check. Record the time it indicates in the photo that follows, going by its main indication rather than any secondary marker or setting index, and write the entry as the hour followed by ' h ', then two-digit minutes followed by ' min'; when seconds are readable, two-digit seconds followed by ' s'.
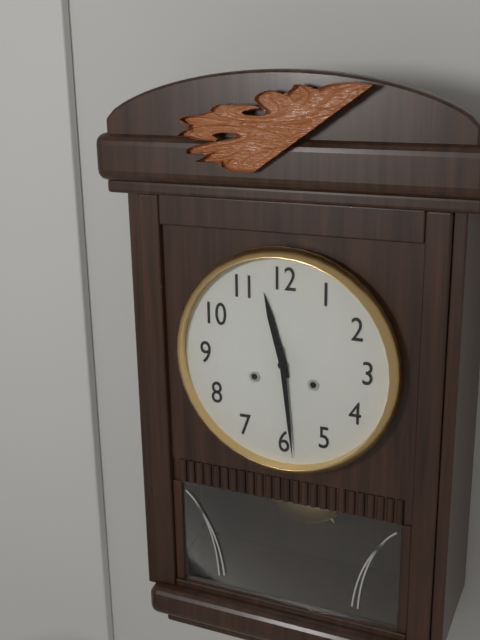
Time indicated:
11 h 29 min
